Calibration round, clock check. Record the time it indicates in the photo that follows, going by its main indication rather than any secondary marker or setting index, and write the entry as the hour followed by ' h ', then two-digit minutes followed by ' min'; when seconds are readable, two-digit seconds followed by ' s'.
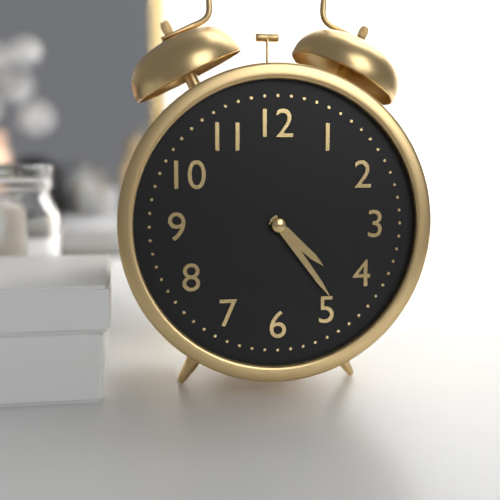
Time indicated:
4 h 24 min
